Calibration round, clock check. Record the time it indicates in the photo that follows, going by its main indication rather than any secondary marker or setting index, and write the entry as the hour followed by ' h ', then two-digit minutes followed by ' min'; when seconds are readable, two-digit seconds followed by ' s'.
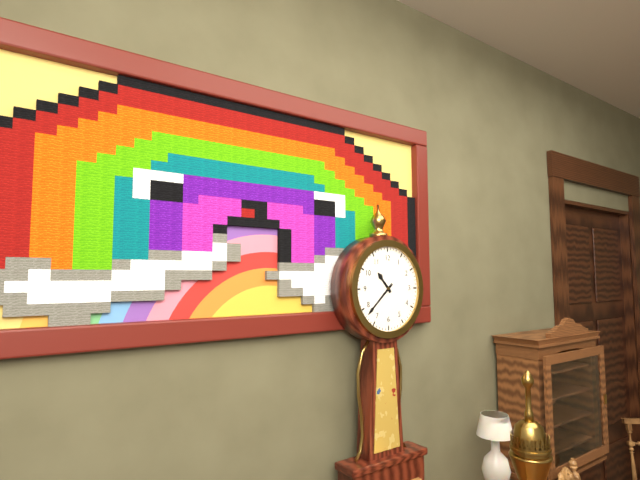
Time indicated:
10 h 38 min
